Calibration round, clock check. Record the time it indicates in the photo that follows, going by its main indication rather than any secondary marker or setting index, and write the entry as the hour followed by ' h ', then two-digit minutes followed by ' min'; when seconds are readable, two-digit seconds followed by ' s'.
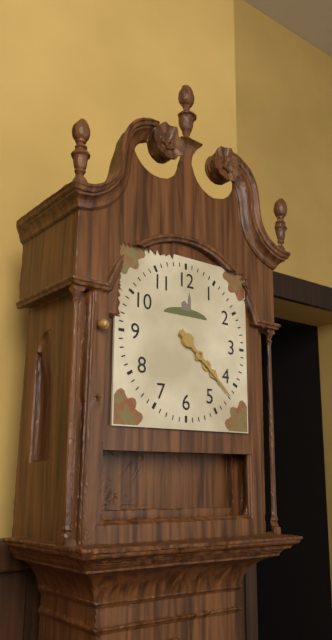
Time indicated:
4 h 22 min
